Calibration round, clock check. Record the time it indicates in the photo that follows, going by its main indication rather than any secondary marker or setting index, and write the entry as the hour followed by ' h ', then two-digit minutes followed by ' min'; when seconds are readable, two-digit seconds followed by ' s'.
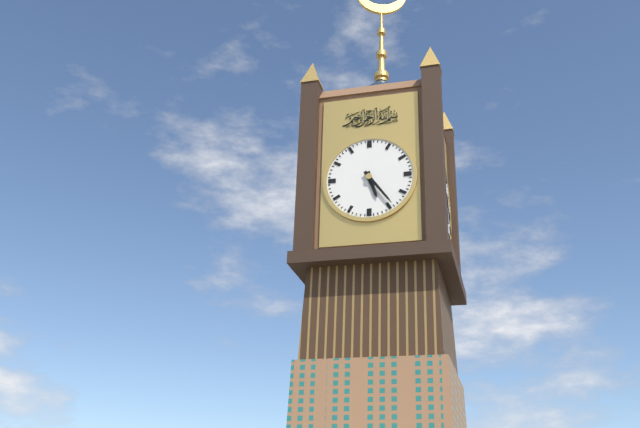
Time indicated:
5 h 24 min
